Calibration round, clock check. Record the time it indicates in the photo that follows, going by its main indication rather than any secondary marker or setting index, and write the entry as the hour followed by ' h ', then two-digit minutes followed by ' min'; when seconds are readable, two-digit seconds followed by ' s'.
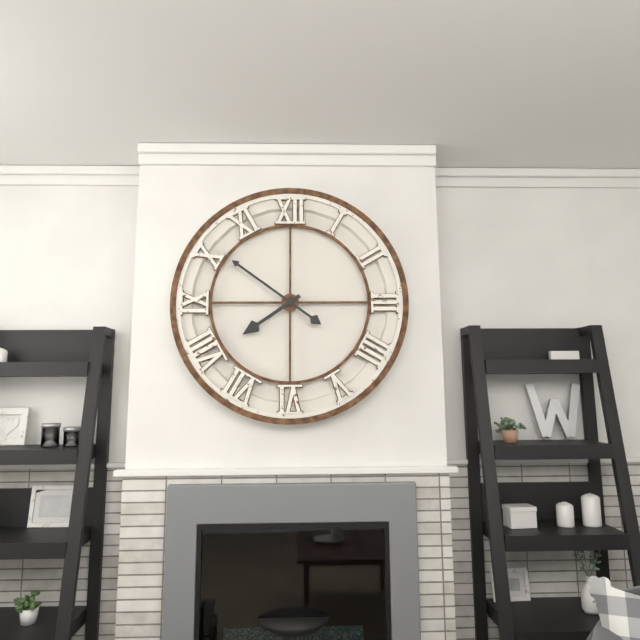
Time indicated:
7 h 51 min
